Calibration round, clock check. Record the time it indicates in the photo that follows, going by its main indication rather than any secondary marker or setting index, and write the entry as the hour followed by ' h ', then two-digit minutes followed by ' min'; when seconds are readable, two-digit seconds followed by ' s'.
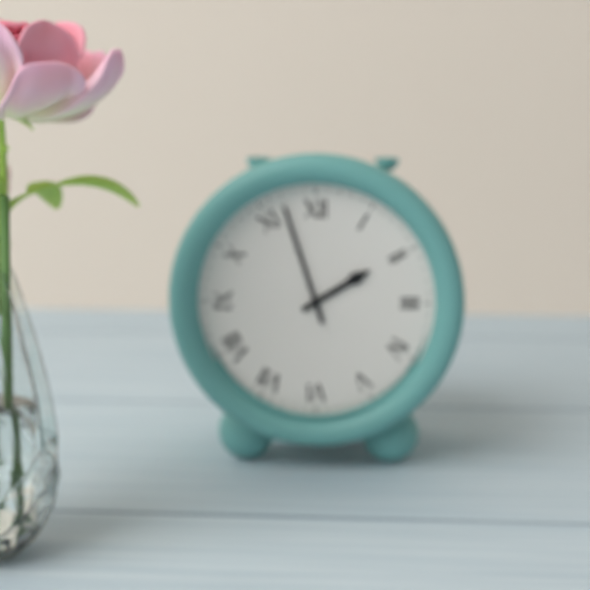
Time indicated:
1 h 57 min
